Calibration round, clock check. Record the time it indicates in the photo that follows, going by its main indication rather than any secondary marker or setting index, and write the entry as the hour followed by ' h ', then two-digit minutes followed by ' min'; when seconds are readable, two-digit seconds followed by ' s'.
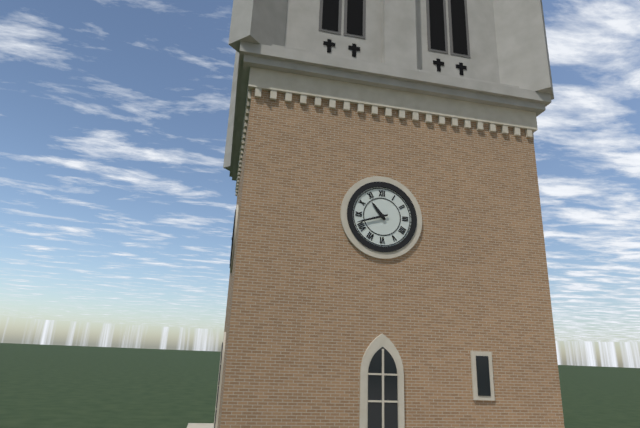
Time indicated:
10 h 42 min
